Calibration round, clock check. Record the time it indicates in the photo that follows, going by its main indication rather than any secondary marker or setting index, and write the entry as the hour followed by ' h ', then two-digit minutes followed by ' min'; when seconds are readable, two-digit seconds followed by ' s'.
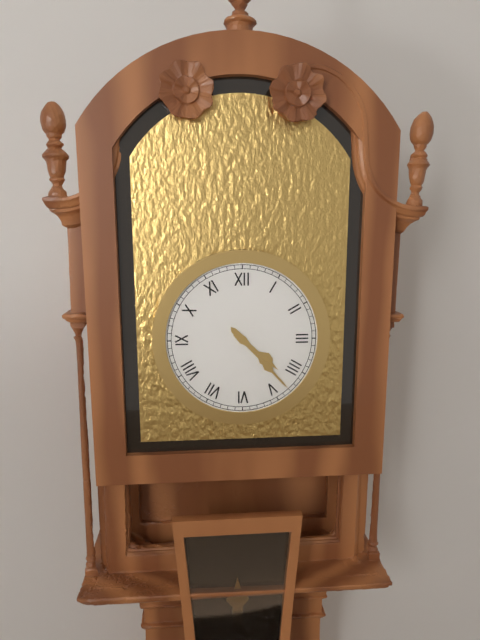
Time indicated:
4 h 23 min
